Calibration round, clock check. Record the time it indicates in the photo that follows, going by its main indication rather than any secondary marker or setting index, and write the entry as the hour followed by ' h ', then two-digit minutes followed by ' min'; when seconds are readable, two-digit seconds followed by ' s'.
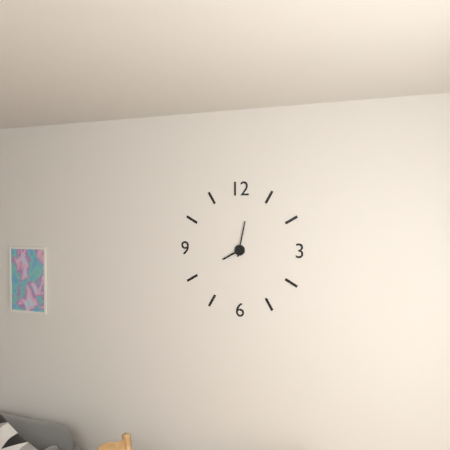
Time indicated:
8 h 02 min
